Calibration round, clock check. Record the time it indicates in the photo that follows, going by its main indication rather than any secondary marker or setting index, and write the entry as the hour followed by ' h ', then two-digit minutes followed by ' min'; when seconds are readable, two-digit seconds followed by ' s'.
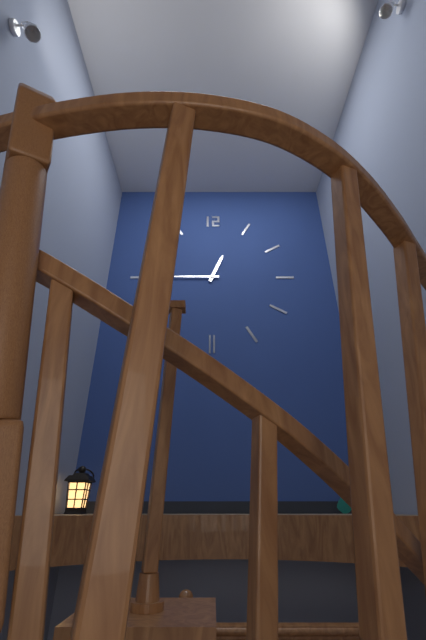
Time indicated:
12 h 45 min
